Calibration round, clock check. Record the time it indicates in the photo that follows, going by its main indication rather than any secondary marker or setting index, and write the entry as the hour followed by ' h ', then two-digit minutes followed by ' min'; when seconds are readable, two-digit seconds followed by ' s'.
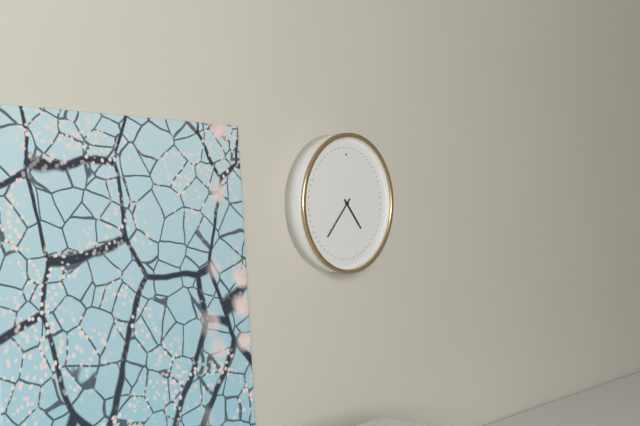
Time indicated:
4 h 37 min
